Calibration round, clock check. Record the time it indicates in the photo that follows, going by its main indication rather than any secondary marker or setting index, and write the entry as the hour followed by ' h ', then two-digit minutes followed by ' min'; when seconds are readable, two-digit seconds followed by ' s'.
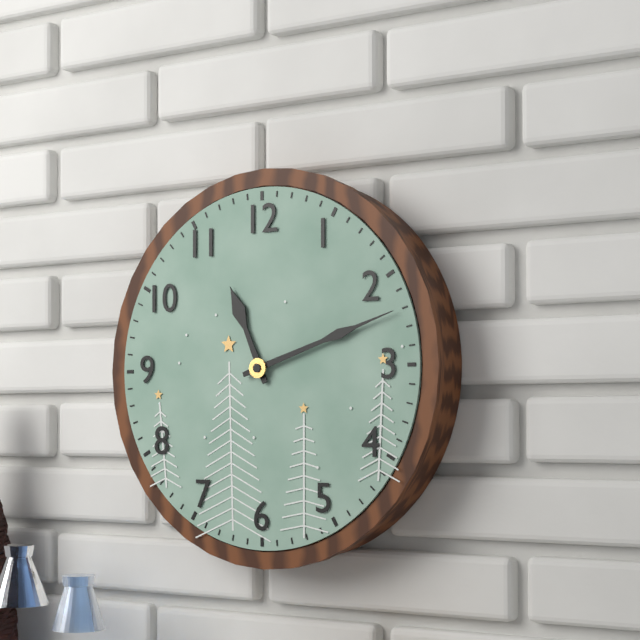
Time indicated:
11 h 12 min
